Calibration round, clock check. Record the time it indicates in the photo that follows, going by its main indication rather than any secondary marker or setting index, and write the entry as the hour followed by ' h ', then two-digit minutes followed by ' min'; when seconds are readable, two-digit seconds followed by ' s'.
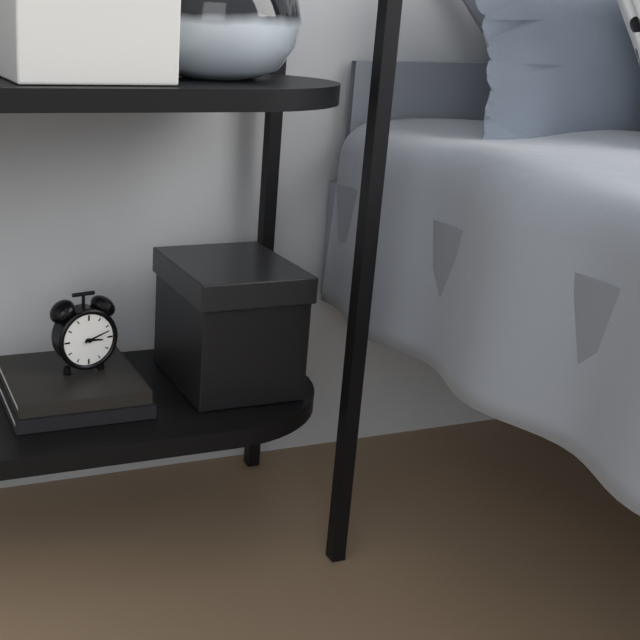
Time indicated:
3 h 12 min
